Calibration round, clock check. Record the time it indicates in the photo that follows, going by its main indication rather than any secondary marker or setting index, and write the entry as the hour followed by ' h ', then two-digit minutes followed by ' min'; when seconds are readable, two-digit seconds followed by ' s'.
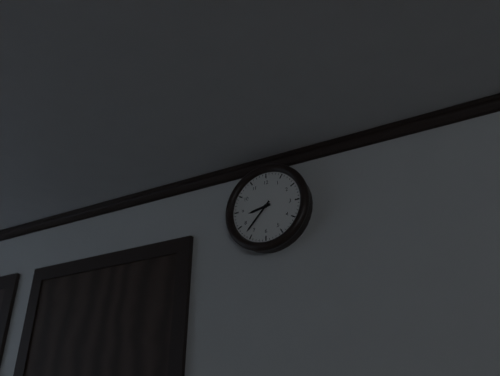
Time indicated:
8 h 37 min
